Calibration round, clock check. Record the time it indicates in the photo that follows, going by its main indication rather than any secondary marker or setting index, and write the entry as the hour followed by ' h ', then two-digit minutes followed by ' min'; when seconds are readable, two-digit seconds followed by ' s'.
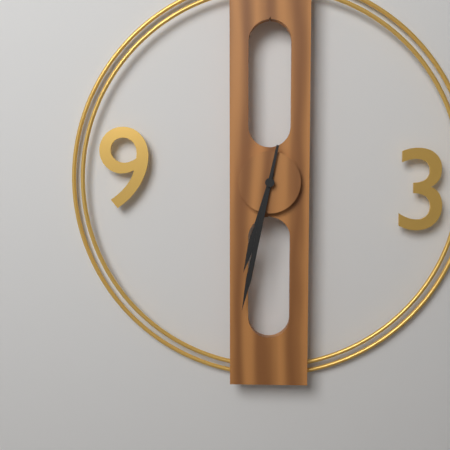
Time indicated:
6 h 32 min
